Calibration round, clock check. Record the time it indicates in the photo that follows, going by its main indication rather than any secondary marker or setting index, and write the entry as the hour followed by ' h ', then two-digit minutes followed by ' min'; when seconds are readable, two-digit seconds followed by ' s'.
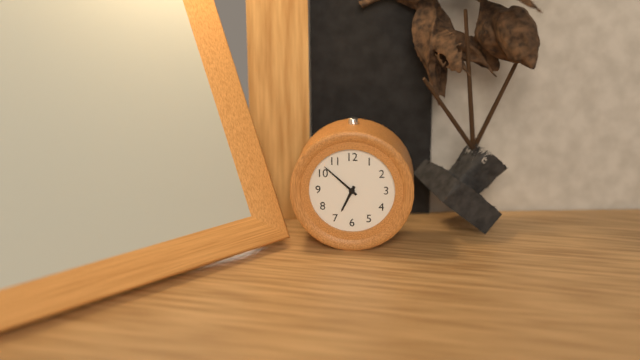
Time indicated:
6 h 52 min
